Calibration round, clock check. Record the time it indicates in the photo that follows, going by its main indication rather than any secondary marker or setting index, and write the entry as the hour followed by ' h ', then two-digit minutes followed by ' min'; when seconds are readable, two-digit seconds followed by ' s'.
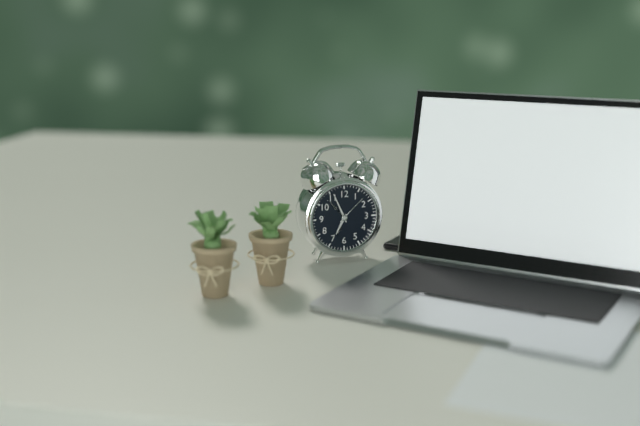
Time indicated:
6 h 56 min
